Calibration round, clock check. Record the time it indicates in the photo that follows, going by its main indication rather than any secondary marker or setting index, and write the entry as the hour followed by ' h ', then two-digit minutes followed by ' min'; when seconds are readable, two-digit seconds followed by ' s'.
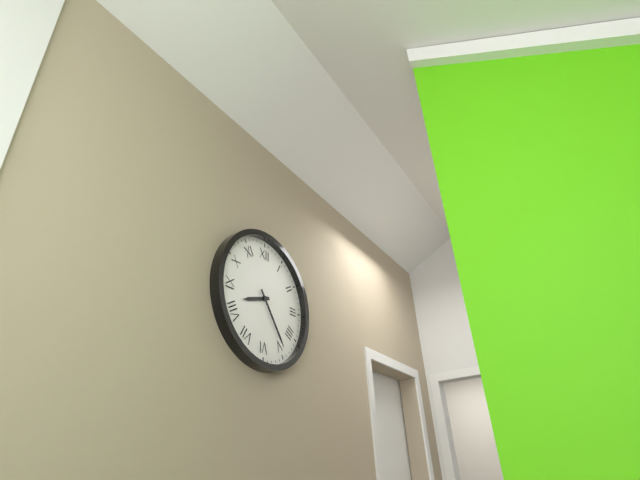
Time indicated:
8 h 24 min
